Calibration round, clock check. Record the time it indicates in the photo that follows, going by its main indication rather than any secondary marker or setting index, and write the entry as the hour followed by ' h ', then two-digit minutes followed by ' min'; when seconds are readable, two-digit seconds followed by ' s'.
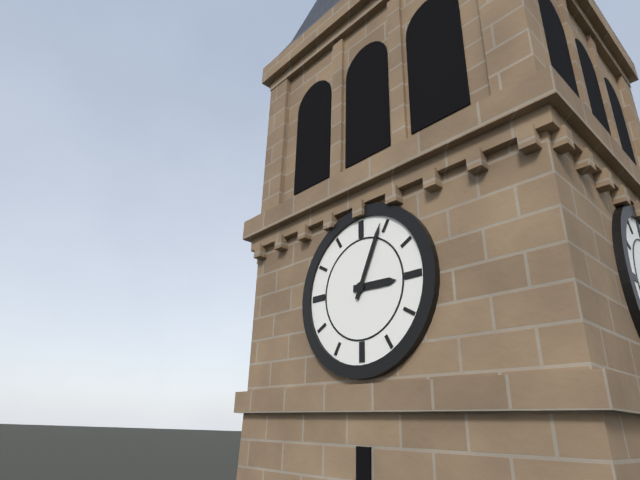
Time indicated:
3 h 04 min
